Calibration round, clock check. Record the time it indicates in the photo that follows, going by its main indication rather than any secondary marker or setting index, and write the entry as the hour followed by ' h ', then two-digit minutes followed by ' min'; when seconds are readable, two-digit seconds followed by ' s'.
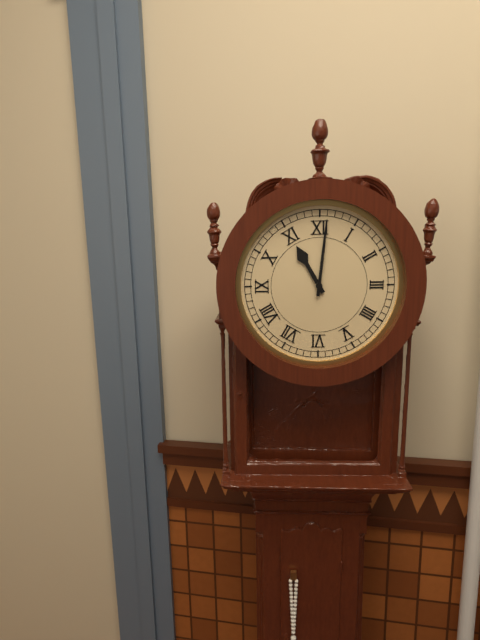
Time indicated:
11 h 01 min
